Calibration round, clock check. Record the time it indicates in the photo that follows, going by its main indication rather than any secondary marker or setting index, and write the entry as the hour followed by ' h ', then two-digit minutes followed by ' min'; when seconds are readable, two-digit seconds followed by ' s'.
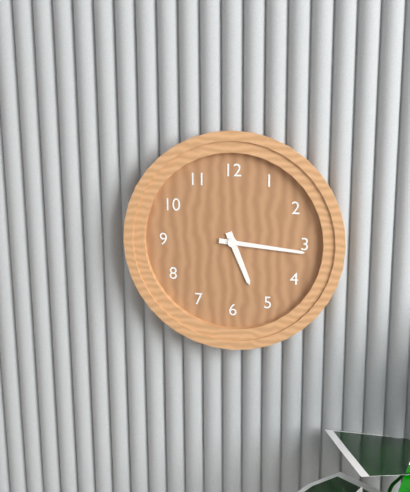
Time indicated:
5 h 16 min
